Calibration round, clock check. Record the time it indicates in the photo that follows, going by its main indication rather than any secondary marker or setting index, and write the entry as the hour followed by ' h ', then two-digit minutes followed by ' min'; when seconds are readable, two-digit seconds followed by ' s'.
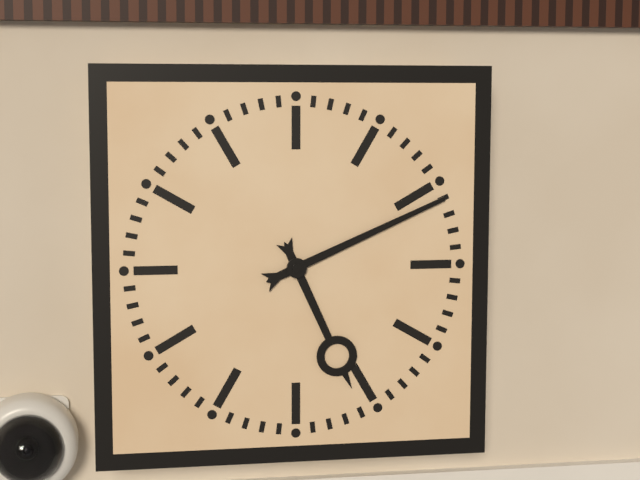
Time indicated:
5 h 11 min
